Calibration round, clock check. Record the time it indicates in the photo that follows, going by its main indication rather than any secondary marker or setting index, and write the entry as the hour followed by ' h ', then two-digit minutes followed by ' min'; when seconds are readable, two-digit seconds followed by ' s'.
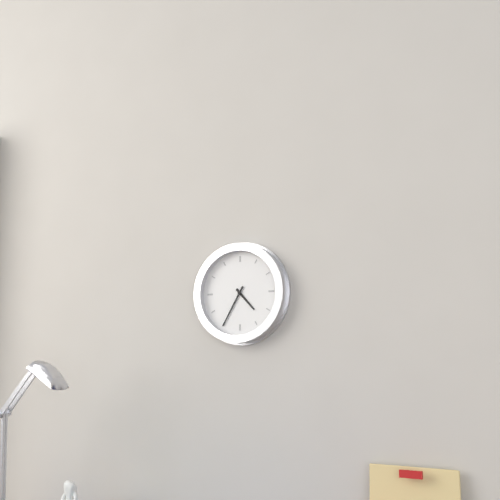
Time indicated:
4 h 35 min
